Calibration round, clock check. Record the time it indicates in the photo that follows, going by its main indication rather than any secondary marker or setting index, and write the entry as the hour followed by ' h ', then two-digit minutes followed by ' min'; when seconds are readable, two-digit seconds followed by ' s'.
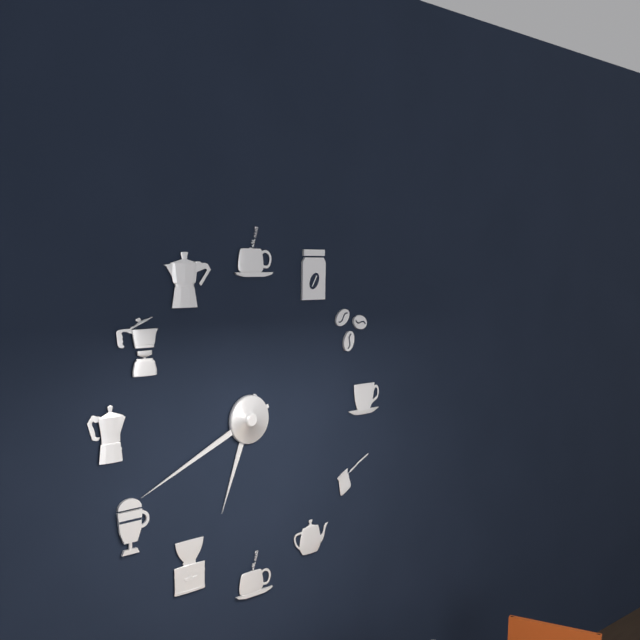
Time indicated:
6 h 41 min
